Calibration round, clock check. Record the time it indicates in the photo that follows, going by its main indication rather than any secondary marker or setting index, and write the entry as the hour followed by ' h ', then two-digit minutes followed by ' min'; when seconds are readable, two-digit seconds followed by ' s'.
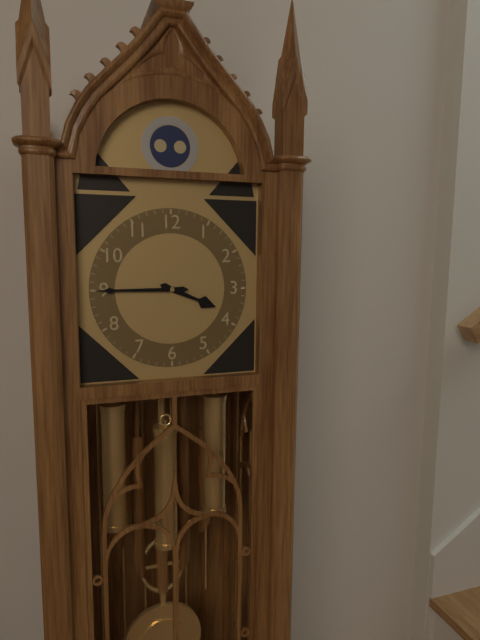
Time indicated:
3 h 45 min
